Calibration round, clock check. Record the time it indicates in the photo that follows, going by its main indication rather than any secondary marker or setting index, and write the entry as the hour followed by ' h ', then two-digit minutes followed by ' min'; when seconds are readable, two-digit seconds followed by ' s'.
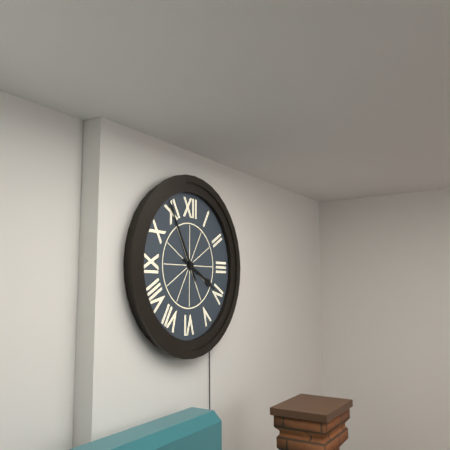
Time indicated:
3 h 55 min
